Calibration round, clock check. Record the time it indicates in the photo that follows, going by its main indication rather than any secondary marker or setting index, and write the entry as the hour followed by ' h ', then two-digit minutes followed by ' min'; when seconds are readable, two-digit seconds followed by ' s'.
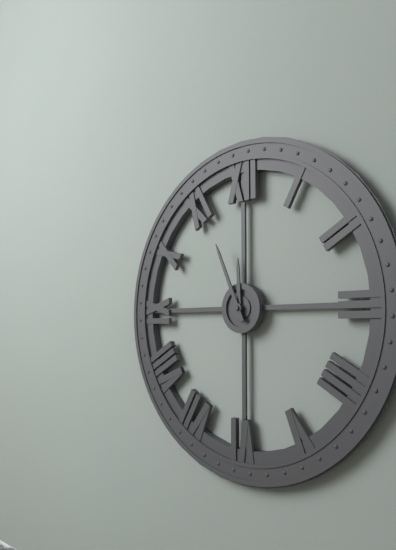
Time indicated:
11 h 56 min
